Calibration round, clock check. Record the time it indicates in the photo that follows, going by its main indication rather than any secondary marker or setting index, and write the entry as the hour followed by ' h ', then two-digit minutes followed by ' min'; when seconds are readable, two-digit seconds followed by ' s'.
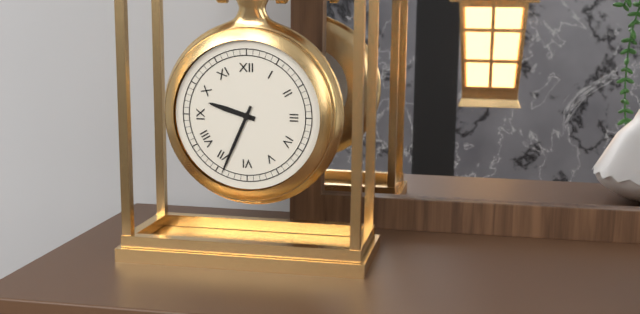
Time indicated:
9 h 34 min
